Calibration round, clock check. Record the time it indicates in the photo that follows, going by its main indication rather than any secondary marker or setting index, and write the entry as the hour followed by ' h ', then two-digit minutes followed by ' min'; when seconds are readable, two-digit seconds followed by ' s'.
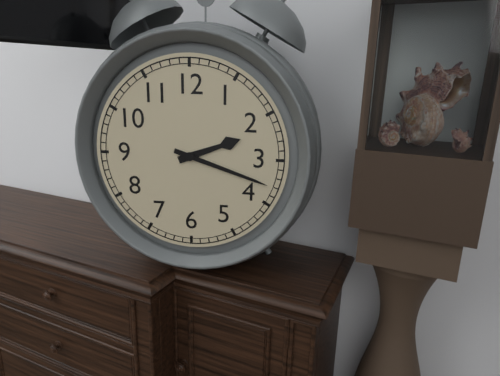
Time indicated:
2 h 18 min
